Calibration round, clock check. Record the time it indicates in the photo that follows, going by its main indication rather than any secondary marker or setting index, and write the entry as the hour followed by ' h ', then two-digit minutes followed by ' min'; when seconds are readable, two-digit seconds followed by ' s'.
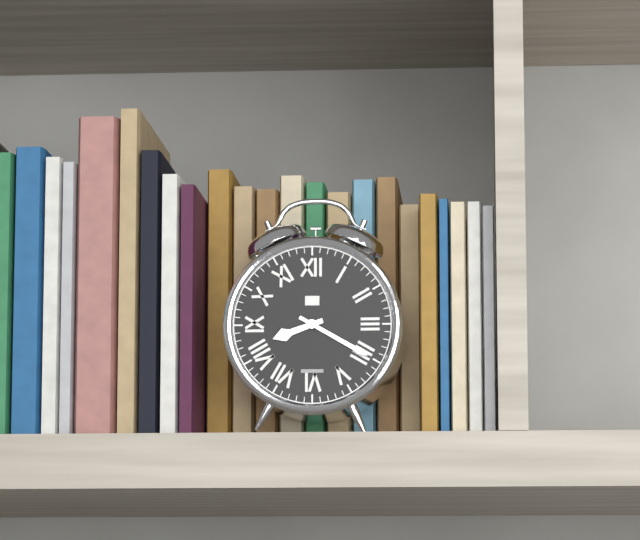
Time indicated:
8 h 20 min
